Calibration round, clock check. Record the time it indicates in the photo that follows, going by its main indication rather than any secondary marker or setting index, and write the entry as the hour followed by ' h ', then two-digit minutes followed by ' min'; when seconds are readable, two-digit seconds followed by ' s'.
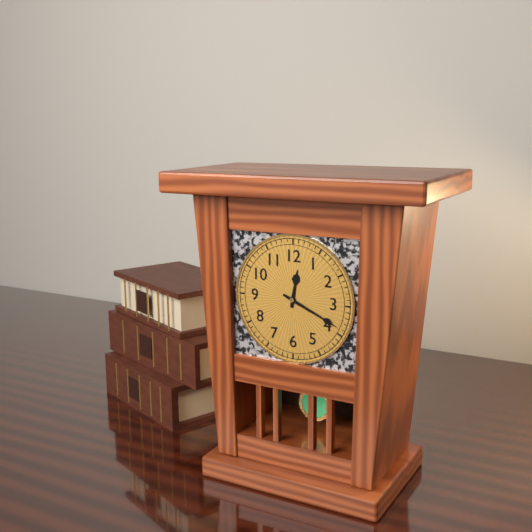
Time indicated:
12 h 19 min
